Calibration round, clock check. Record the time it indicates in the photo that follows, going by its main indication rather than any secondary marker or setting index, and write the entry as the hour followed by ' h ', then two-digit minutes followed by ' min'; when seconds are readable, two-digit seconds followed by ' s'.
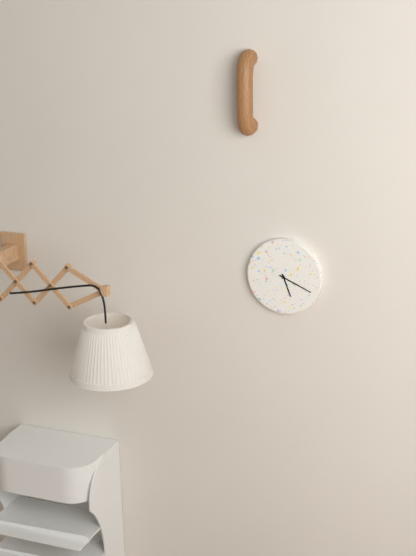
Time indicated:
5 h 19 min
